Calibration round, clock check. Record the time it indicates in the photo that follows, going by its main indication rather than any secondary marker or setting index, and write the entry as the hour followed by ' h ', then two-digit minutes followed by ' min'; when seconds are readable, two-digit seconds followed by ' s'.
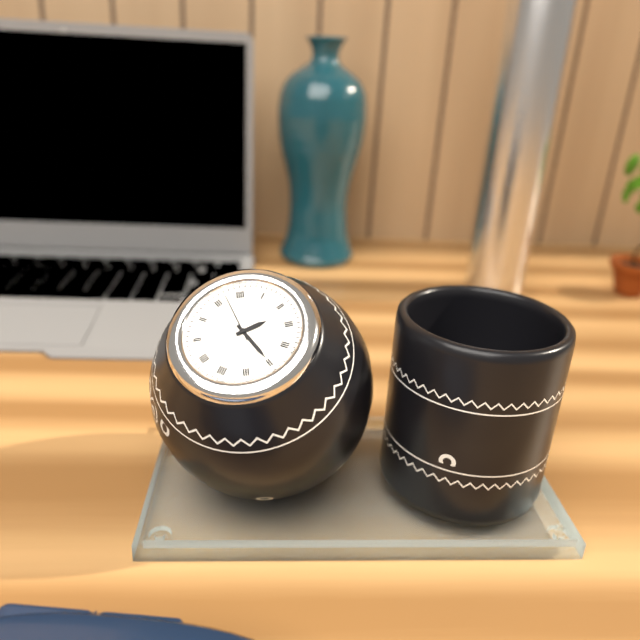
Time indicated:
2 h 25 min
